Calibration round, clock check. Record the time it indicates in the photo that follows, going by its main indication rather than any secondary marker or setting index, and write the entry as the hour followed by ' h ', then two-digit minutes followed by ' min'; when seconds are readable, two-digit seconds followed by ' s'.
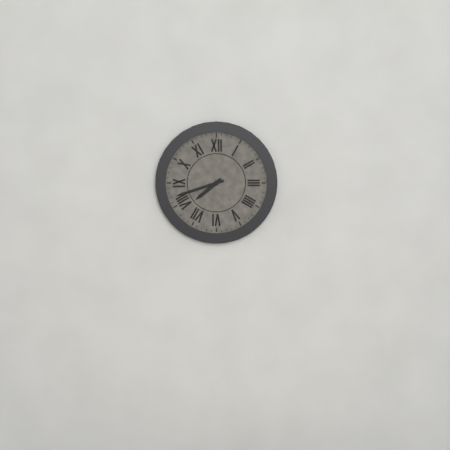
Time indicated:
7 h 42 min
